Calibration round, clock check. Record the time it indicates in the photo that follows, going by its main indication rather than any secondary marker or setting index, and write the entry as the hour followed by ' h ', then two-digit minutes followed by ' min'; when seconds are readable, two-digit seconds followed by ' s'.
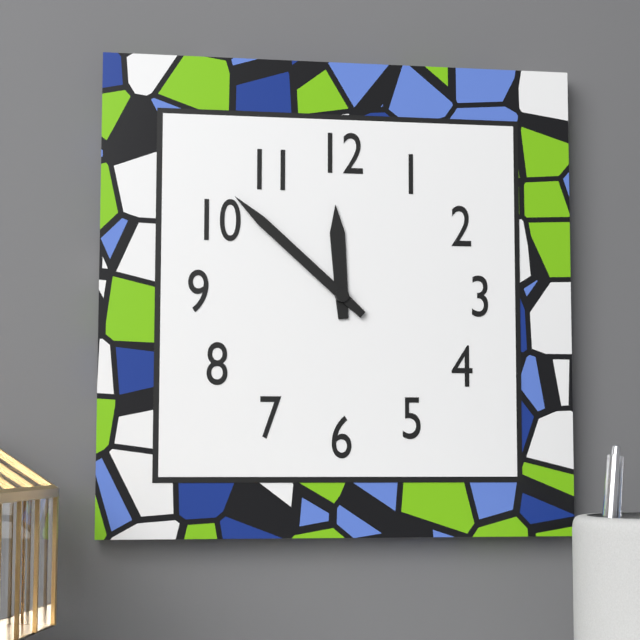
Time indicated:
11 h 52 min
